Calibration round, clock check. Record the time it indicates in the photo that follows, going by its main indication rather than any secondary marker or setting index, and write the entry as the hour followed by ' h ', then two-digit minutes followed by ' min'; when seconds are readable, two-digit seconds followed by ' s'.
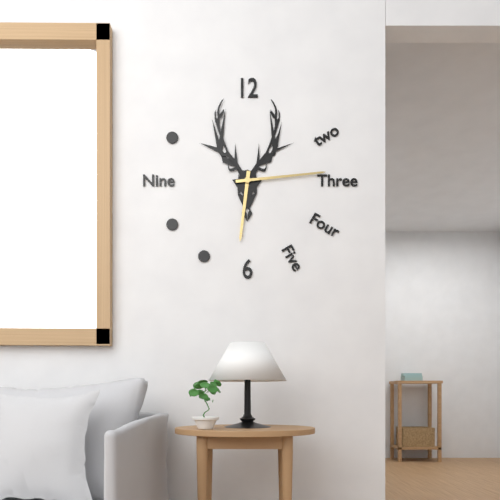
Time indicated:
6 h 14 min
